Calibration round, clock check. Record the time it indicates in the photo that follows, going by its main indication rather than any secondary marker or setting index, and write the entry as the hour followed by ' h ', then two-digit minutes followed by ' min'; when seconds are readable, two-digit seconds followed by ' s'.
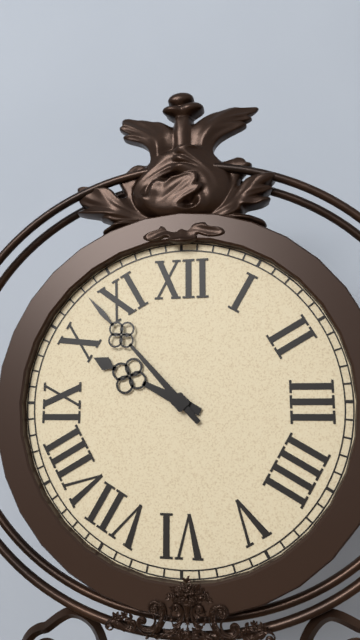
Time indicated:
9 h 53 min
